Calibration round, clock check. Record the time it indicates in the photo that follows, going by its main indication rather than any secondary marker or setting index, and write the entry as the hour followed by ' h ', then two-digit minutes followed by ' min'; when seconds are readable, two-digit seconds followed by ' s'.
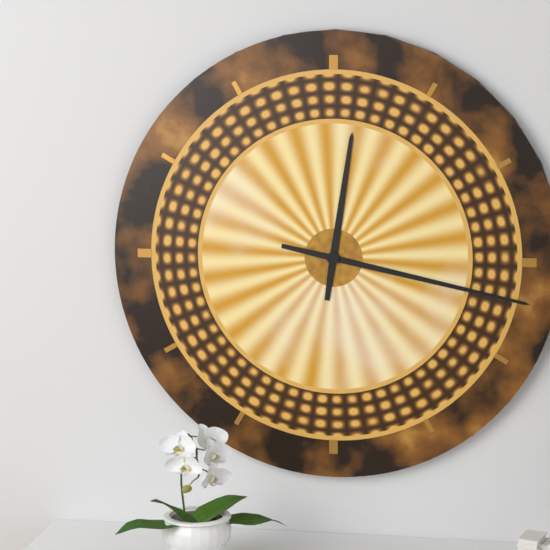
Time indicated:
12 h 17 min
